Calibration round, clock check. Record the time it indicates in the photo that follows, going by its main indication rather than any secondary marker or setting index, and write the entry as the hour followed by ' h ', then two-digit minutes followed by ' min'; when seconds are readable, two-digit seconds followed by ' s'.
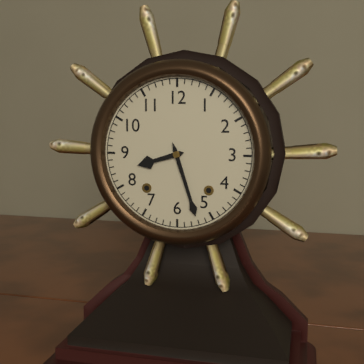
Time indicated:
8 h 27 min
